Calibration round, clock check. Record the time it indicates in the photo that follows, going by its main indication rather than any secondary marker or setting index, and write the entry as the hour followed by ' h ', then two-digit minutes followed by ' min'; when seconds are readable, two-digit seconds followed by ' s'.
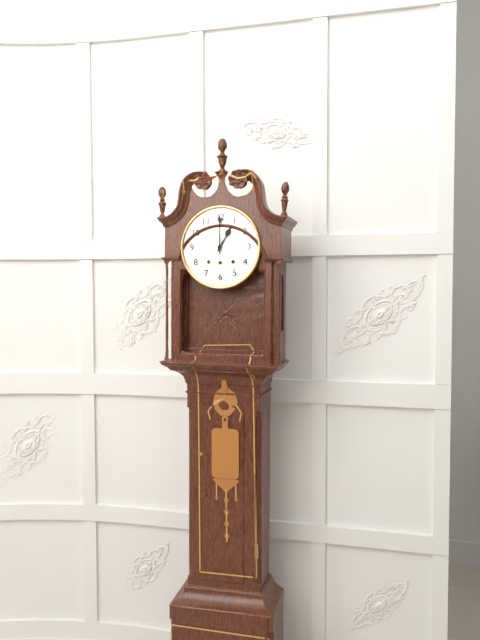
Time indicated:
1 h 00 min
